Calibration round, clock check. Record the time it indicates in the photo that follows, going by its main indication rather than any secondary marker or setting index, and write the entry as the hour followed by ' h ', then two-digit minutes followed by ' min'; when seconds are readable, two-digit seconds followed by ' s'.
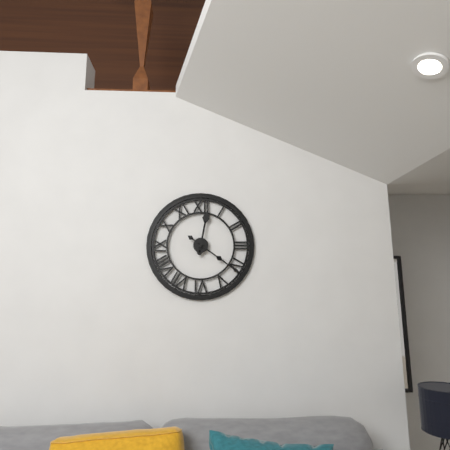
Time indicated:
12 h 21 min
